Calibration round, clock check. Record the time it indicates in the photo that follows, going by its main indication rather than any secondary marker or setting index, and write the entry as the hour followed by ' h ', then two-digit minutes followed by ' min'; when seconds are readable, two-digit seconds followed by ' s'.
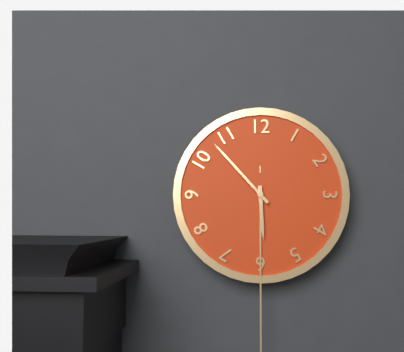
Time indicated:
5 h 53 min
